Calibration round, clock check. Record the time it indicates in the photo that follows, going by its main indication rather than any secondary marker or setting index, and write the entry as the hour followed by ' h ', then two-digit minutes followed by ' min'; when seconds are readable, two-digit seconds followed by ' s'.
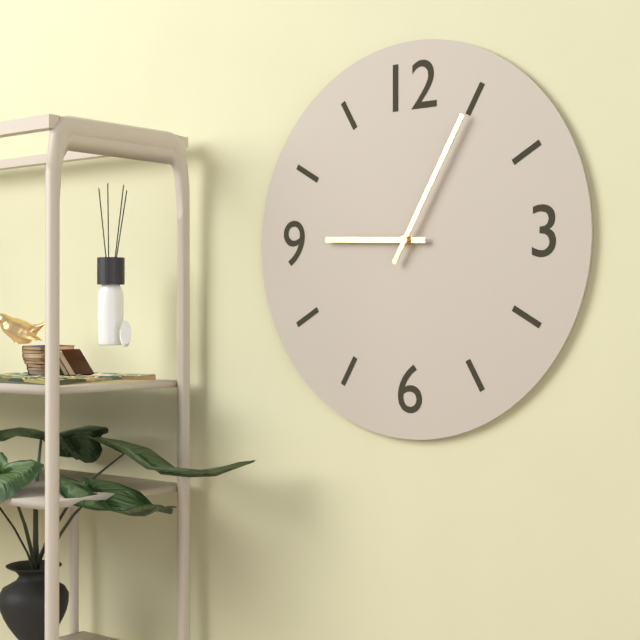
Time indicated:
9 h 05 min
